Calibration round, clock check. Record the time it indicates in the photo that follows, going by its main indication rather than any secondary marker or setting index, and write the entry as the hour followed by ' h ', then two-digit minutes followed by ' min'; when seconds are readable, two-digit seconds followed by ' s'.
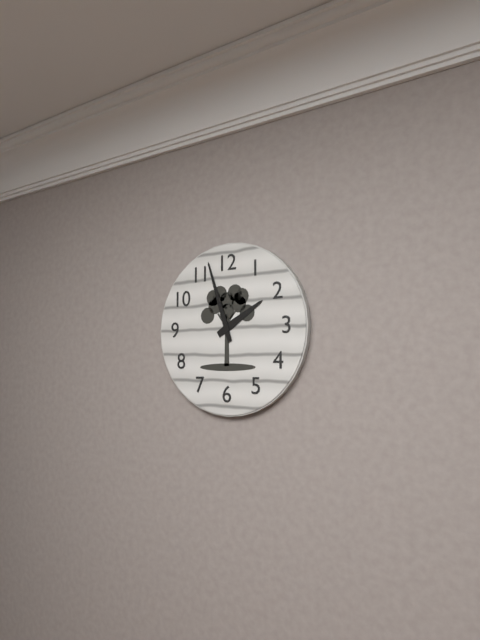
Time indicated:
1 h 57 min
